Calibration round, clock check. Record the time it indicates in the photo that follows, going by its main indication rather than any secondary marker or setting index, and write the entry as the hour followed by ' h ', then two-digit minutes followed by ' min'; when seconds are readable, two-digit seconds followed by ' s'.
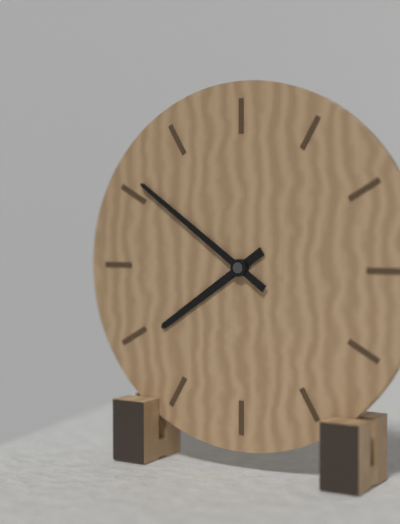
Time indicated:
7 h 51 min
